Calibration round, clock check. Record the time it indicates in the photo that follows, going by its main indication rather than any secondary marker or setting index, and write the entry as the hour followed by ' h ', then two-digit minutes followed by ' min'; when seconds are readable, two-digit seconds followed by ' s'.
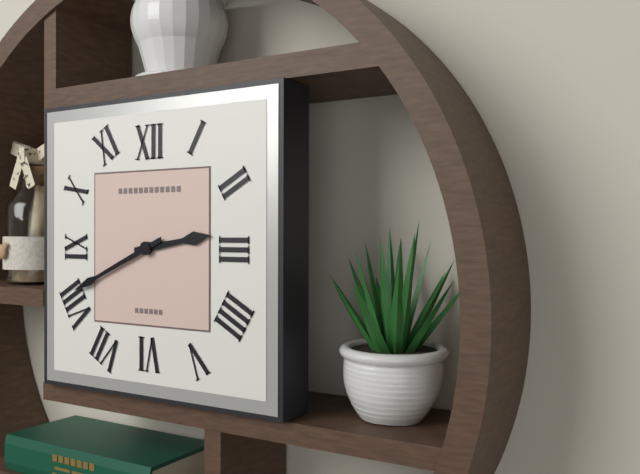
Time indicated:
2 h 41 min
